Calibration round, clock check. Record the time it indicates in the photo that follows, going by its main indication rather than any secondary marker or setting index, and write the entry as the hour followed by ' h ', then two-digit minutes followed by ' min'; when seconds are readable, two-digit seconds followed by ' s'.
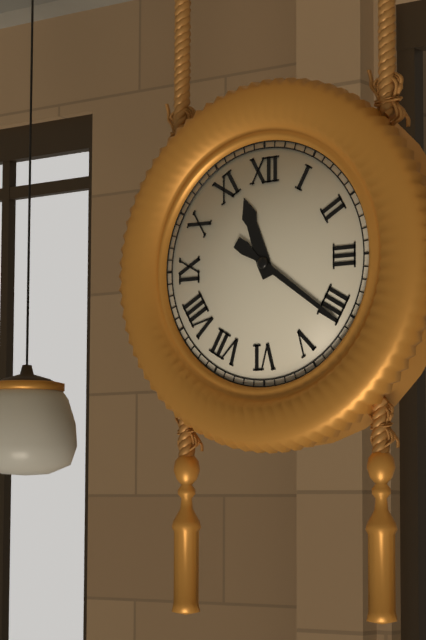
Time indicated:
11 h 21 min
